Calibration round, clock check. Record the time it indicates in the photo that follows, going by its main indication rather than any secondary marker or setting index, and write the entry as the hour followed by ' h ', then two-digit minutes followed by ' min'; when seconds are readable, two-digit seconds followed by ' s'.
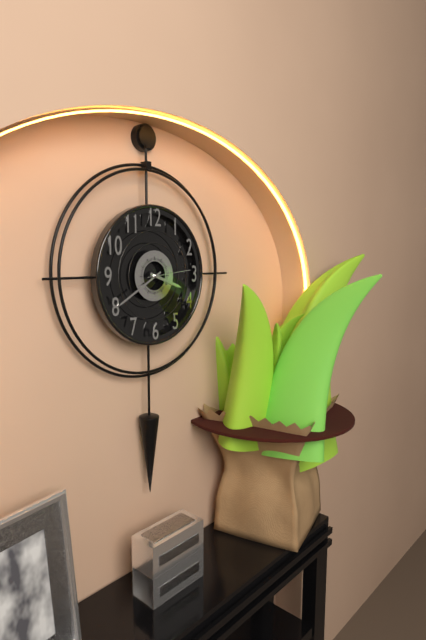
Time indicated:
3 h 40 min
